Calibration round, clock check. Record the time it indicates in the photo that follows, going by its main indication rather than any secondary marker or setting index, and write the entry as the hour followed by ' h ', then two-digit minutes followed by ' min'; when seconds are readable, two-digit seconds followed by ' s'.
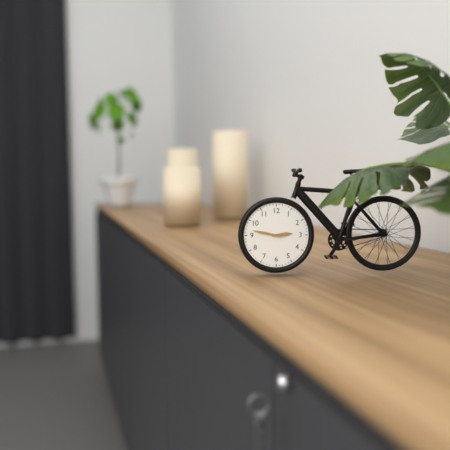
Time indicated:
2 h 47 min
